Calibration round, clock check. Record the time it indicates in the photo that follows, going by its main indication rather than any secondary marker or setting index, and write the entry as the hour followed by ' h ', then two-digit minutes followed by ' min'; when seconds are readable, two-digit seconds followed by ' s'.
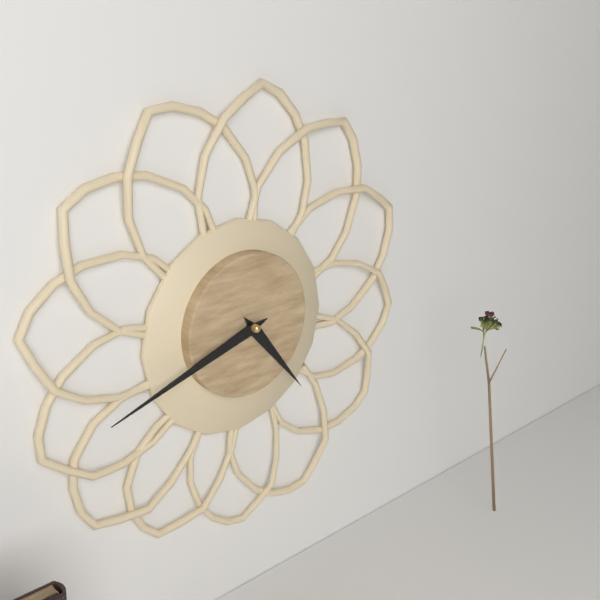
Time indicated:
4 h 42 min
